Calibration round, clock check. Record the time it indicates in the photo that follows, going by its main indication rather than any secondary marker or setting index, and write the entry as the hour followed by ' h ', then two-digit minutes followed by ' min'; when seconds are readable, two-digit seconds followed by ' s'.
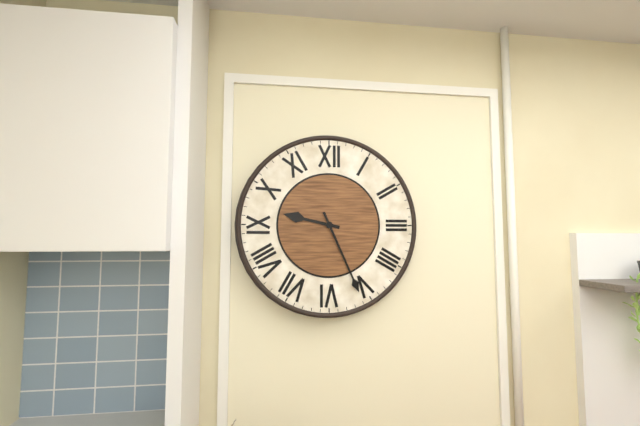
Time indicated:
9 h 26 min
